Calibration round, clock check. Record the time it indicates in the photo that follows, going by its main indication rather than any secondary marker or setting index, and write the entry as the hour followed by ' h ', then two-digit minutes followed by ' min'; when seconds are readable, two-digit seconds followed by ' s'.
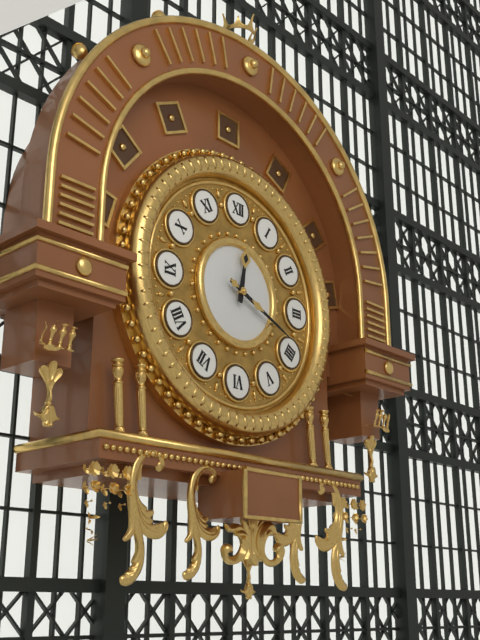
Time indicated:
12 h 19 min
